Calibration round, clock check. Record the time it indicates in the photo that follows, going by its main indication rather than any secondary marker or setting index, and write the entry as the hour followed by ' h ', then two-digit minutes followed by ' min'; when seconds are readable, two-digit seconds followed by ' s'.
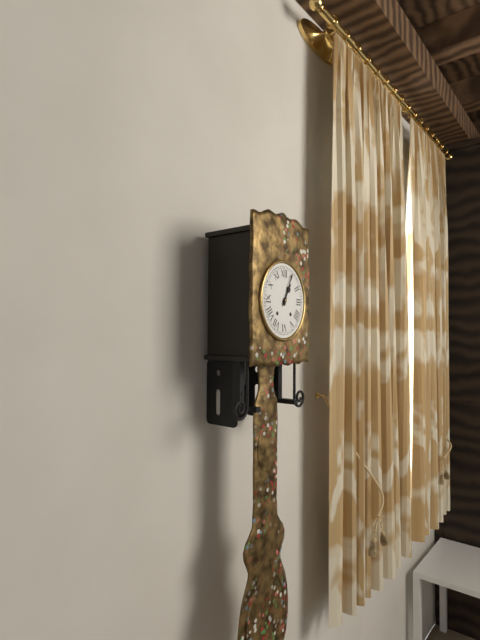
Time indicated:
1 h 04 min
